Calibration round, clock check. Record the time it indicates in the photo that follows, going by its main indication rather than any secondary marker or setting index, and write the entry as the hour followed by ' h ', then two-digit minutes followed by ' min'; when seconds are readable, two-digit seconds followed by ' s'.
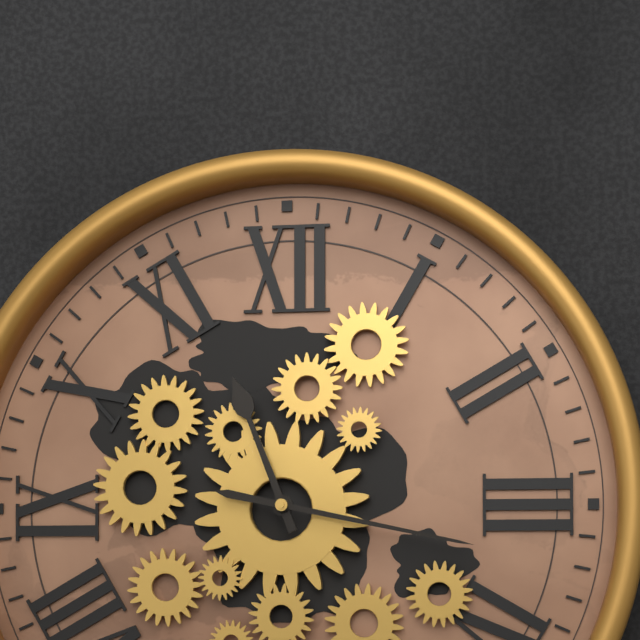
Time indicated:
11 h 17 min
